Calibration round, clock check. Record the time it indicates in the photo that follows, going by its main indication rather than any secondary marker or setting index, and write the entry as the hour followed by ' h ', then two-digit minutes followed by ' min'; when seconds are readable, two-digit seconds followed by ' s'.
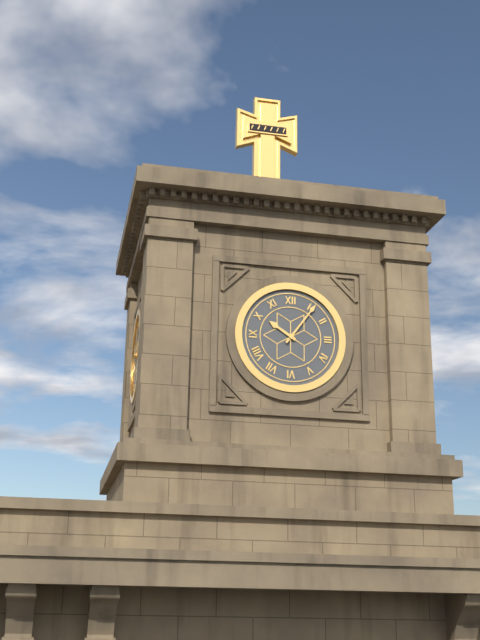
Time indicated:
10 h 06 min
